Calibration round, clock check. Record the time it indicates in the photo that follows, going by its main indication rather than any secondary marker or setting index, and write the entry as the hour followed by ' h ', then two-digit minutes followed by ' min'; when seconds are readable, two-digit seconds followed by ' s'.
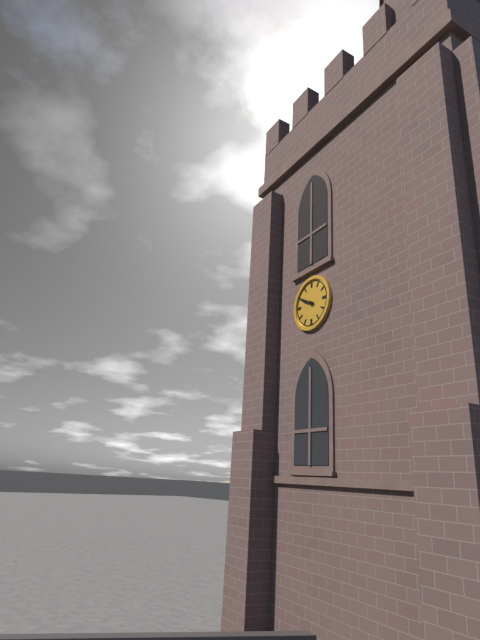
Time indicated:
9 h 50 min
